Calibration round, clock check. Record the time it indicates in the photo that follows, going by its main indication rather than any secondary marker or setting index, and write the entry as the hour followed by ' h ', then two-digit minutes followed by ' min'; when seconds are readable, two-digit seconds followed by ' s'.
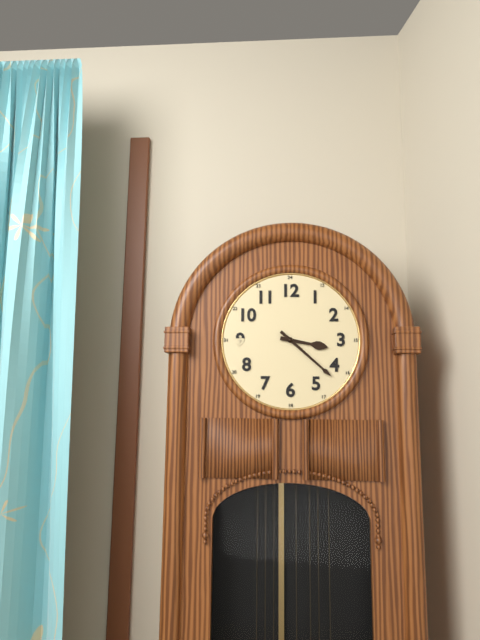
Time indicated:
3 h 22 min
